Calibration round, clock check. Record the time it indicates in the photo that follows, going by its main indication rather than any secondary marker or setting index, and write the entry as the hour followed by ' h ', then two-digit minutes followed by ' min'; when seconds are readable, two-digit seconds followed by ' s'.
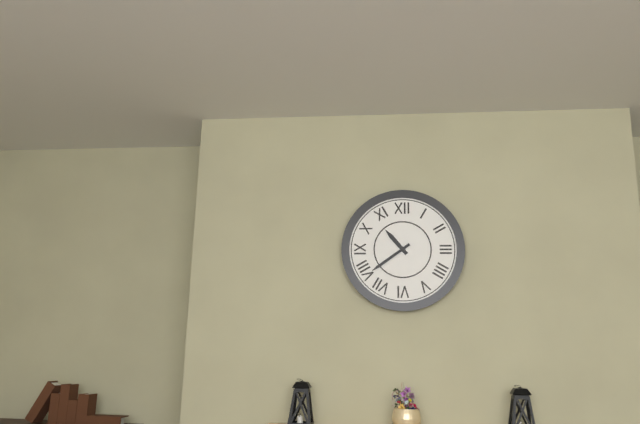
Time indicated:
10 h 39 min
